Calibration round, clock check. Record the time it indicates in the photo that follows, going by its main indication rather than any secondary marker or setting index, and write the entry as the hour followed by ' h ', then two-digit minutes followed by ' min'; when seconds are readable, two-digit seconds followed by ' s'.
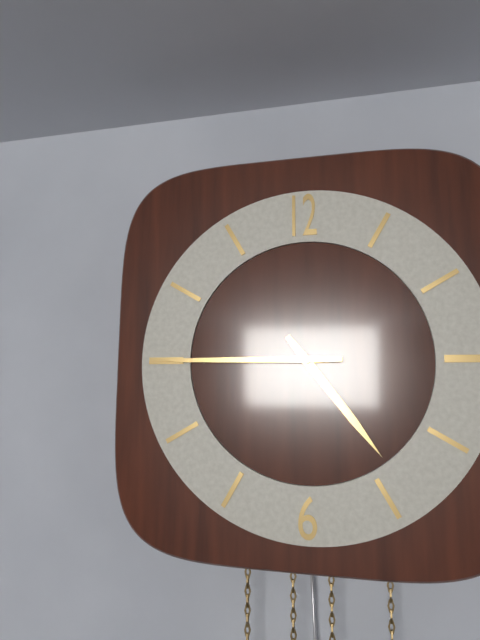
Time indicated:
4 h 45 min
